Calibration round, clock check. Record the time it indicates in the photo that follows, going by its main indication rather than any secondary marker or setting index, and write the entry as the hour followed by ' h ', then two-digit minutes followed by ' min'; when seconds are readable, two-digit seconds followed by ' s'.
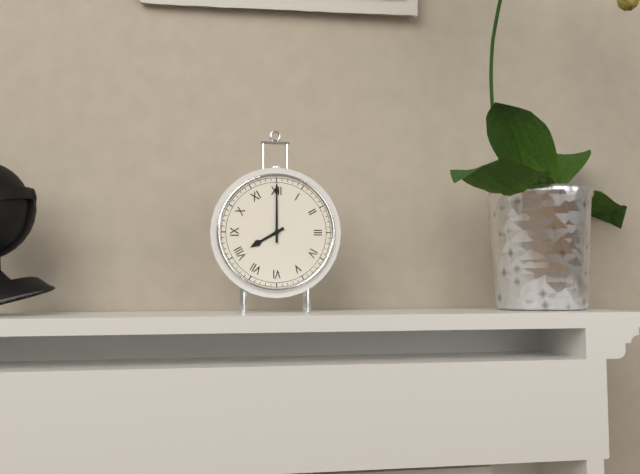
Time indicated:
8 h 00 min
